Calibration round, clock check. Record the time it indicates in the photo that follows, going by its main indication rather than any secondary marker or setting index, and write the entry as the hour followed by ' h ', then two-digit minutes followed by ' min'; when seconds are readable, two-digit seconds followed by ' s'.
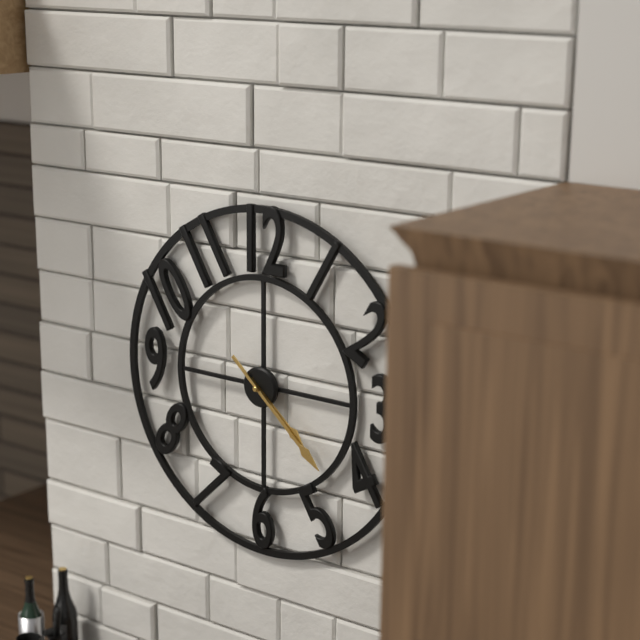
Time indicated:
4 h 22 min
